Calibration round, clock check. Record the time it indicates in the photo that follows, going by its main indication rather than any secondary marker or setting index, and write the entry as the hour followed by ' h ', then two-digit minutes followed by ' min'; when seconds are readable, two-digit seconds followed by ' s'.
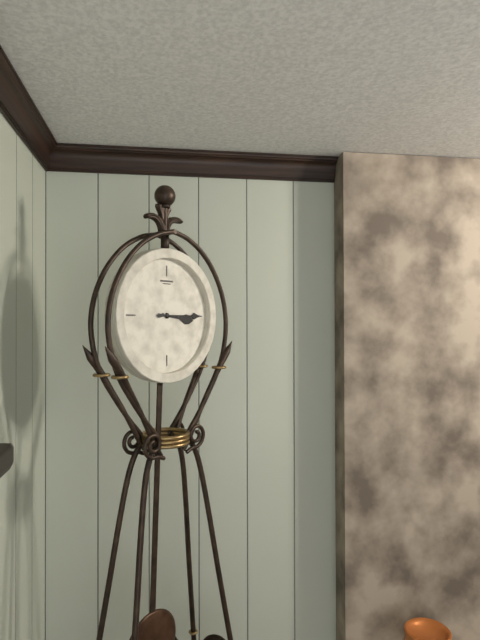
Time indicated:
3 h 15 min
